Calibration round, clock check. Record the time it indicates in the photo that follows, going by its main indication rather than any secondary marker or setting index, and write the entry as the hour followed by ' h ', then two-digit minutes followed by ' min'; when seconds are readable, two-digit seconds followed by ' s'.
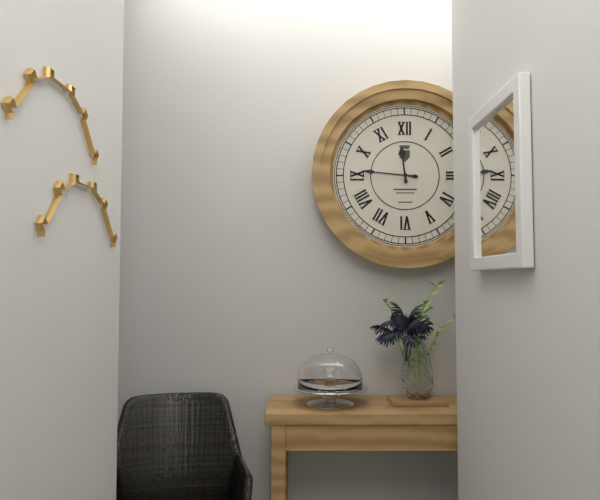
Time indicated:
11 h 46 min
